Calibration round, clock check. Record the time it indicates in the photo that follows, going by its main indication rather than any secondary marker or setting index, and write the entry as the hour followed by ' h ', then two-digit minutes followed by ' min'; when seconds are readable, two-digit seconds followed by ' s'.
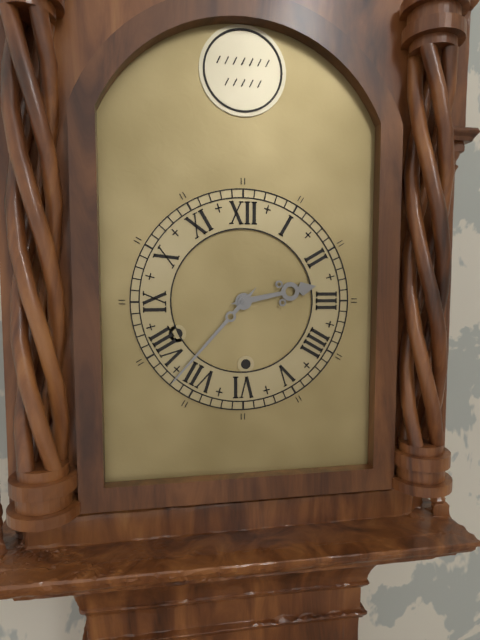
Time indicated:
2 h 37 min
